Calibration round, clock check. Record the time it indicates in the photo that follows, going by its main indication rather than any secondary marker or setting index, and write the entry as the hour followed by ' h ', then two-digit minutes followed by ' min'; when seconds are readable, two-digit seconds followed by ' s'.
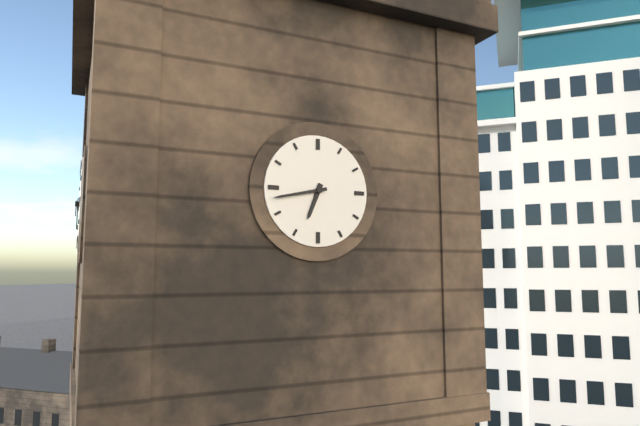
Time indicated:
6 h 43 min
